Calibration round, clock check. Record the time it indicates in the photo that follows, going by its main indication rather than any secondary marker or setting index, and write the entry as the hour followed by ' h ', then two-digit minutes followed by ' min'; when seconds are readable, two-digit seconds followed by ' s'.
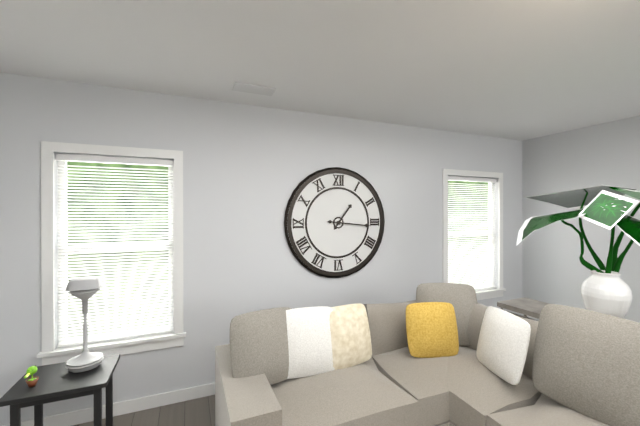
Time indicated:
1 h 16 min
